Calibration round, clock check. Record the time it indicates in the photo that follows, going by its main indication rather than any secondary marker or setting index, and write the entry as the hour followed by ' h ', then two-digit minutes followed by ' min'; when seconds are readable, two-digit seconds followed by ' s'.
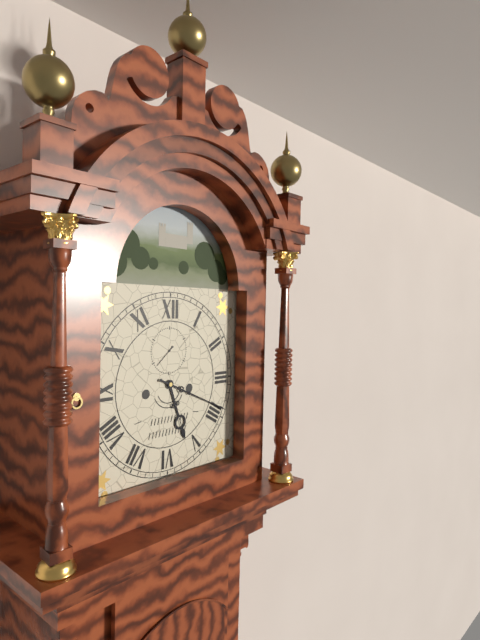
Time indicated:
5 h 19 min
